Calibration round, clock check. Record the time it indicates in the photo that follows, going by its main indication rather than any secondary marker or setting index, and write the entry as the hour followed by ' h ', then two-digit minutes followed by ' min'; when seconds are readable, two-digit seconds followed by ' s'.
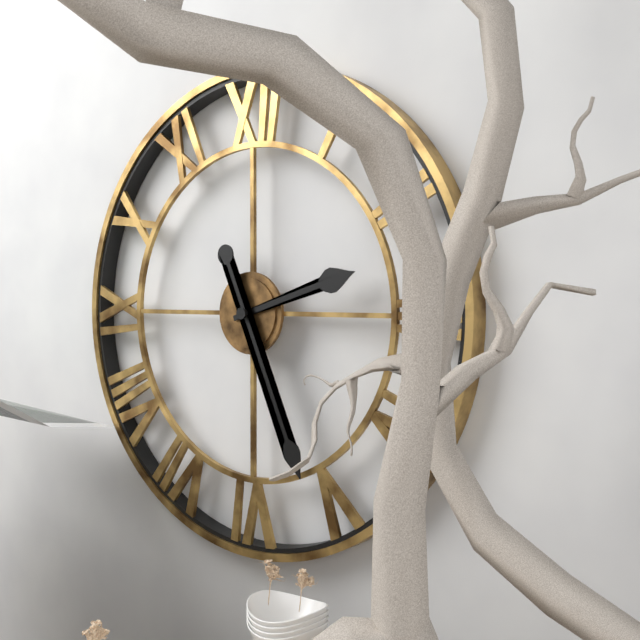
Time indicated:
2 h 26 min
